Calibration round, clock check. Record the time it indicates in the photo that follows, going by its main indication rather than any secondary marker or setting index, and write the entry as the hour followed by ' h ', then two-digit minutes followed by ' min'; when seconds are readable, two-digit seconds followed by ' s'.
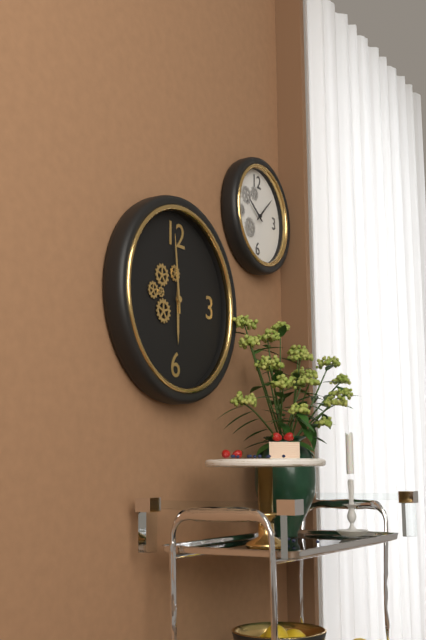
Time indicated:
5 h 59 min
